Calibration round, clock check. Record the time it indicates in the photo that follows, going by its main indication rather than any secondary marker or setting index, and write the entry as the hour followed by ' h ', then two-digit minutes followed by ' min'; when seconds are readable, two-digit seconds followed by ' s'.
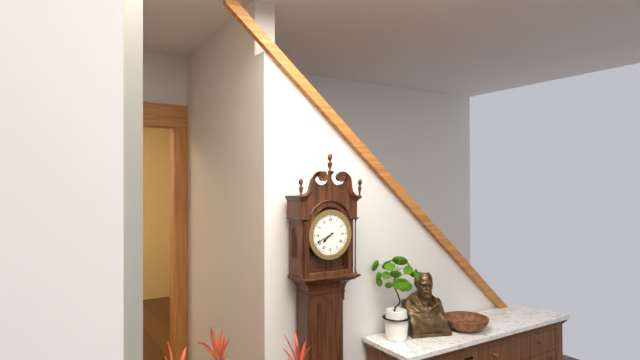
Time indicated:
7 h 41 min
